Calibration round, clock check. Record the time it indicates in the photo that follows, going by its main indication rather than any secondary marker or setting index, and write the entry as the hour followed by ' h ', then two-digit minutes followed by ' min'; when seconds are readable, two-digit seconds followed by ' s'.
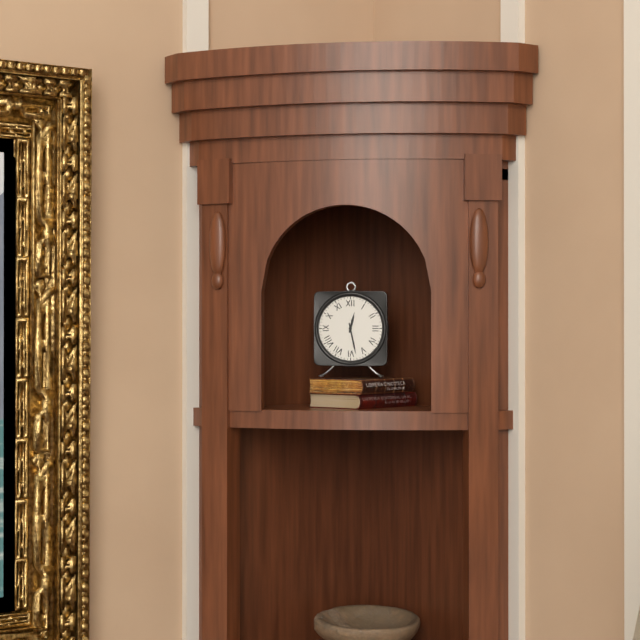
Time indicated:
12 h 28 min
